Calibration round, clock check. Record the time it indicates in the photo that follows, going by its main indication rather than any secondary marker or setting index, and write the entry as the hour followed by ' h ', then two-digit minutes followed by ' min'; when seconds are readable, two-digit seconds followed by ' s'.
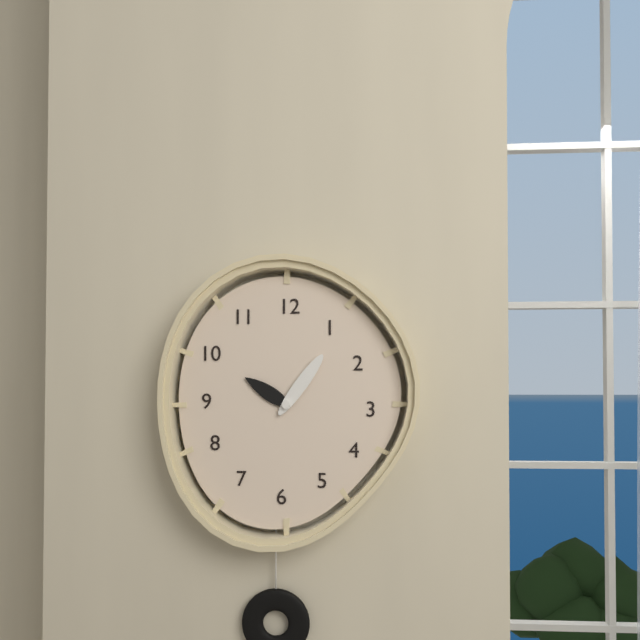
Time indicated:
10 h 06 min
